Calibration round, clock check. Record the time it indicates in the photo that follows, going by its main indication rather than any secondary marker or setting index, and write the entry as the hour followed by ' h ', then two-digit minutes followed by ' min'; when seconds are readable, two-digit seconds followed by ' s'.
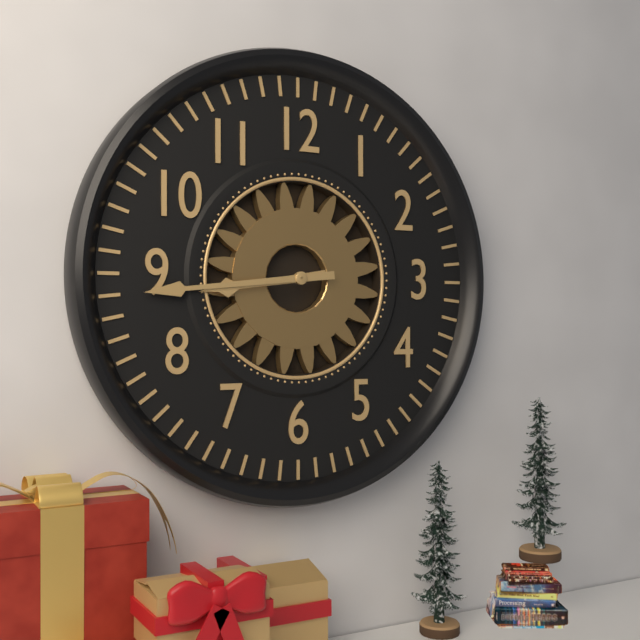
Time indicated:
8 h 44 min
